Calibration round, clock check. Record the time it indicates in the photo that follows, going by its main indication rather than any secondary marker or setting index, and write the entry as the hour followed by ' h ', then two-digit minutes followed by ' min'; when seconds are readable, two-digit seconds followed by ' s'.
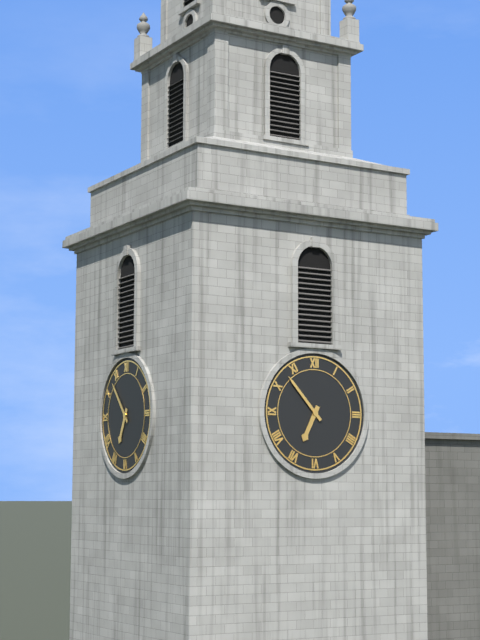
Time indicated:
6 h 53 min
